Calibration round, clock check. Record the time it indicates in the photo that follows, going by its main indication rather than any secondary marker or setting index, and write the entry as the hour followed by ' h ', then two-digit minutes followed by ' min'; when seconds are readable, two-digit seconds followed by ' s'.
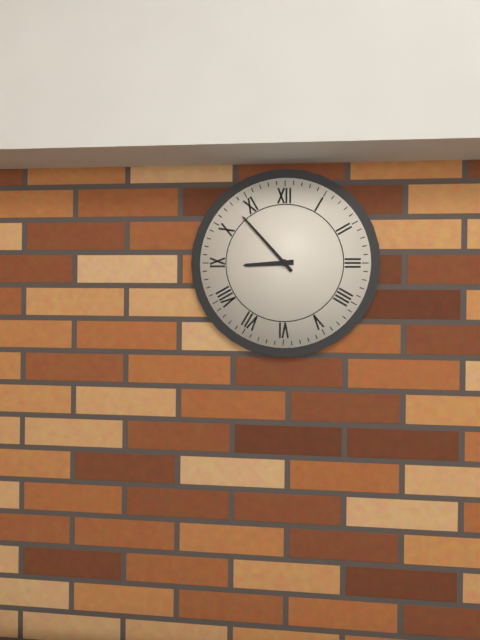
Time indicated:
8 h 53 min
